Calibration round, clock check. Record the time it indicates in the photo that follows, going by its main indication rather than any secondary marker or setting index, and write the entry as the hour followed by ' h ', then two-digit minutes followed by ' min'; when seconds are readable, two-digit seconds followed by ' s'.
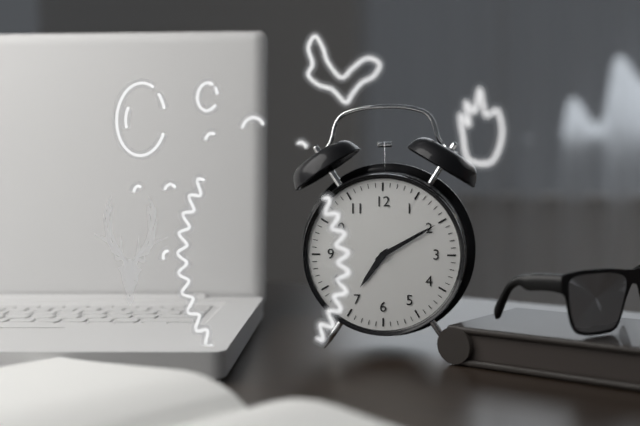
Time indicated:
7 h 10 min
